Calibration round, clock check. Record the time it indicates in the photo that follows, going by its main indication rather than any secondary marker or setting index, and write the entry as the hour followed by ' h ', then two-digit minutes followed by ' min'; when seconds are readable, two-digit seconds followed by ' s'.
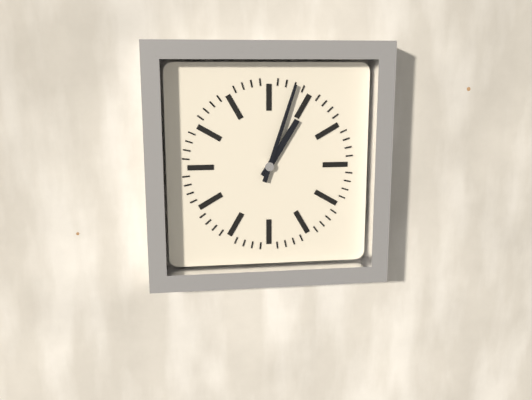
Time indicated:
1 h 03 min
